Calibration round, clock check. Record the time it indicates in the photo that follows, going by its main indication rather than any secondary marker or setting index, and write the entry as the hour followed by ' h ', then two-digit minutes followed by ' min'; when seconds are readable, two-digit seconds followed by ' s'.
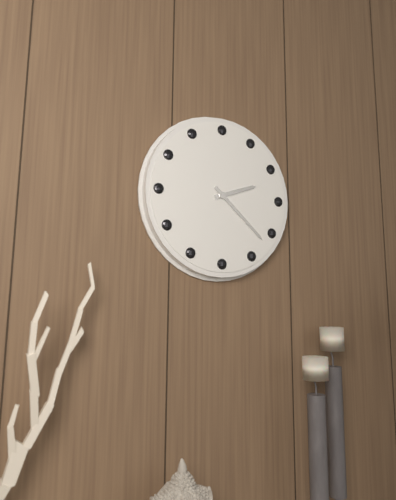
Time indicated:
2 h 22 min
